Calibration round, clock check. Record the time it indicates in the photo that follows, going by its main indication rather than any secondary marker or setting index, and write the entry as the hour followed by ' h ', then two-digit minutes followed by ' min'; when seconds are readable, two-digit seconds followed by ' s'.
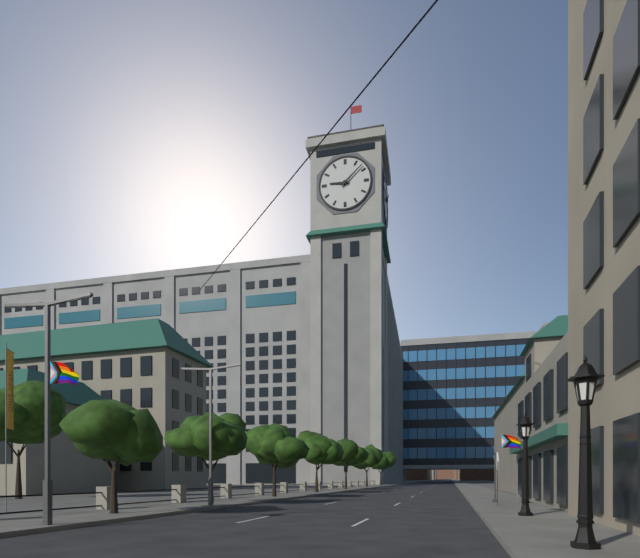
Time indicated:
9 h 08 min
